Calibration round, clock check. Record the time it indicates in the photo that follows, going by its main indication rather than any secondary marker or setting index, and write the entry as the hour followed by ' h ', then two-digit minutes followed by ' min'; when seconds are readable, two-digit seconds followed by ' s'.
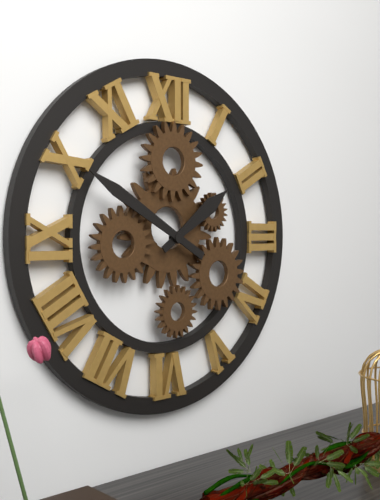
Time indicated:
1 h 50 min
